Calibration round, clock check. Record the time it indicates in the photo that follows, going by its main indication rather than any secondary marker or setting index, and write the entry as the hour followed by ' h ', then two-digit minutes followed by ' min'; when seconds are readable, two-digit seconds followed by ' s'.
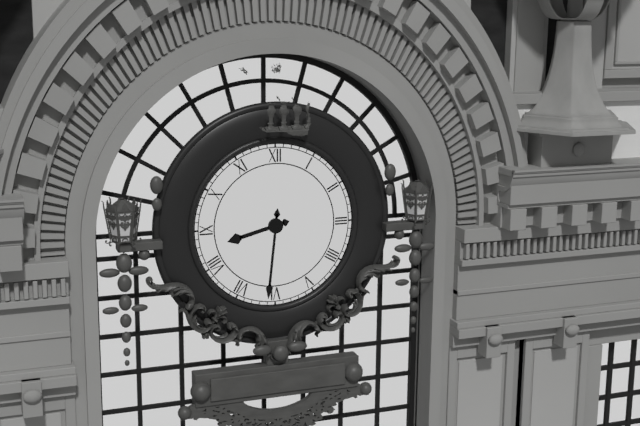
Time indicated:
8 h 31 min
